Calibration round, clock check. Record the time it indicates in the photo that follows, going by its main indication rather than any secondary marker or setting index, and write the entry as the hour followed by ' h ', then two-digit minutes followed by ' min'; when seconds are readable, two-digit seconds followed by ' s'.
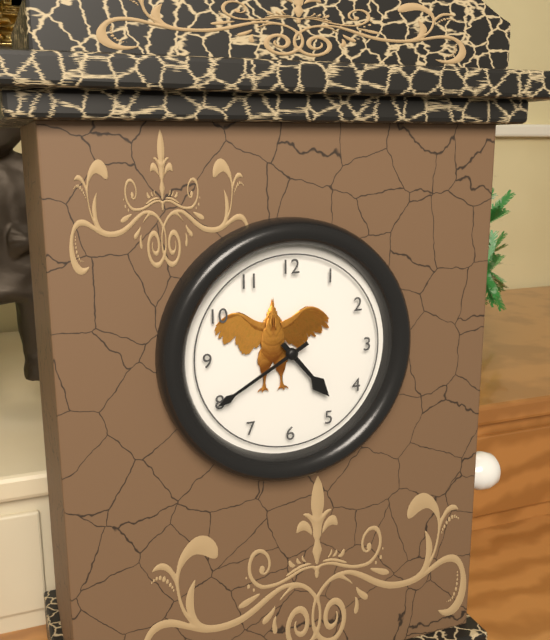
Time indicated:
4 h 40 min
